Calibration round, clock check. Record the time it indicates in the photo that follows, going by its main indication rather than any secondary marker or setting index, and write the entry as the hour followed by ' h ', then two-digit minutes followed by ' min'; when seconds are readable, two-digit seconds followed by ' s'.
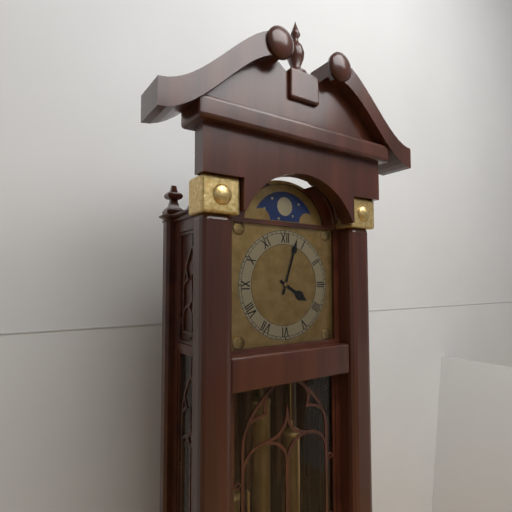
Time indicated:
4 h 03 min
